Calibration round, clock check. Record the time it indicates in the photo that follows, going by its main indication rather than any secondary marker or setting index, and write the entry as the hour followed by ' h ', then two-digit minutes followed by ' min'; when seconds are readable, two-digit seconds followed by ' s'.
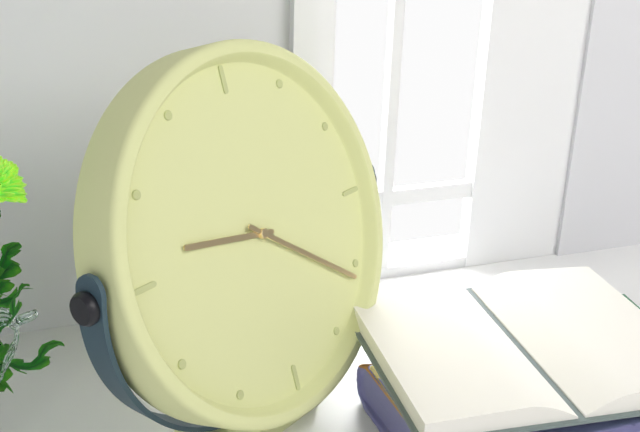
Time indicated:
9 h 21 min
